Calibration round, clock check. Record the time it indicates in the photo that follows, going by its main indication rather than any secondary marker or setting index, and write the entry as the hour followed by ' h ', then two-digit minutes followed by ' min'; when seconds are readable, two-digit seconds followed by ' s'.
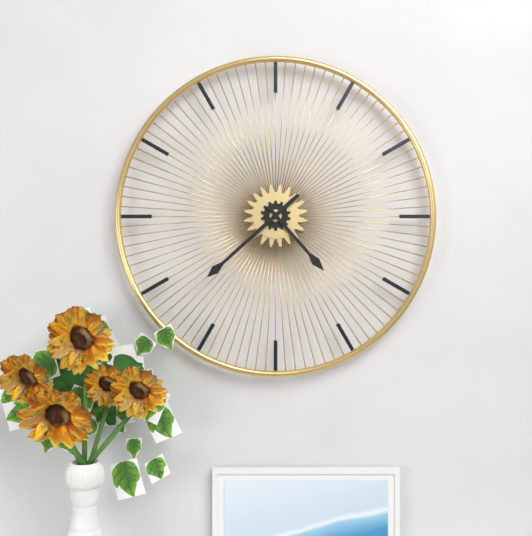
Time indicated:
4 h 38 min
